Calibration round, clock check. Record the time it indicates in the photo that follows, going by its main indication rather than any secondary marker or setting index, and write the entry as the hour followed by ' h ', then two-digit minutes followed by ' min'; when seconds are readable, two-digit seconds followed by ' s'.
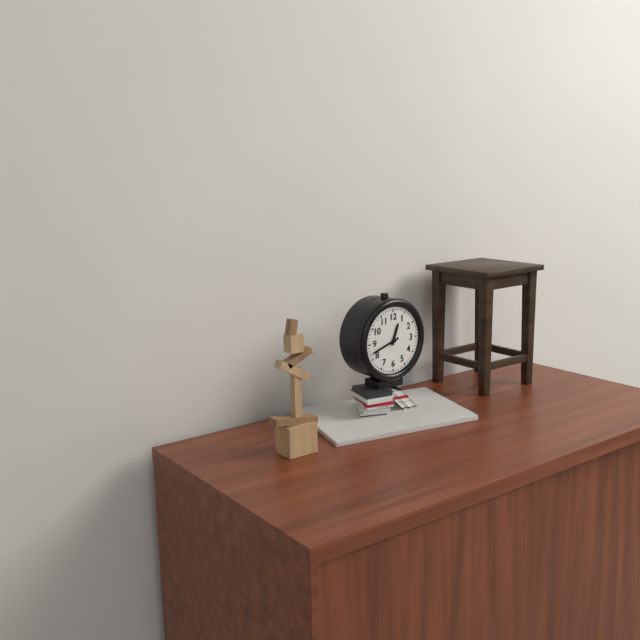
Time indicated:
12 h 42 min
